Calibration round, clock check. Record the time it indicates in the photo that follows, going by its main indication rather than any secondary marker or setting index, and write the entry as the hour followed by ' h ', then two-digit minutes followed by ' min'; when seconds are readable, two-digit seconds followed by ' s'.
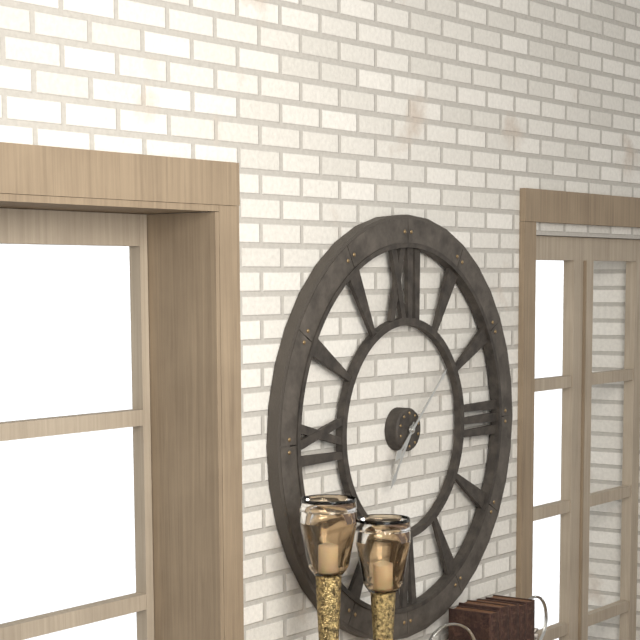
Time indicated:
7 h 08 min
